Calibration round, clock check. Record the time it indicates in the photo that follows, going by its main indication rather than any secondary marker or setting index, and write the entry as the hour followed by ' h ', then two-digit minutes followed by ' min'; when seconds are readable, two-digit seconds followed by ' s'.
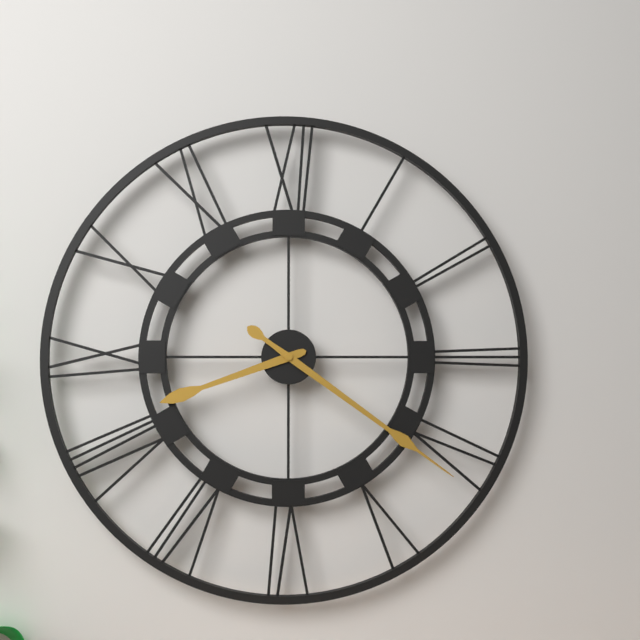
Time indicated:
8 h 21 min
